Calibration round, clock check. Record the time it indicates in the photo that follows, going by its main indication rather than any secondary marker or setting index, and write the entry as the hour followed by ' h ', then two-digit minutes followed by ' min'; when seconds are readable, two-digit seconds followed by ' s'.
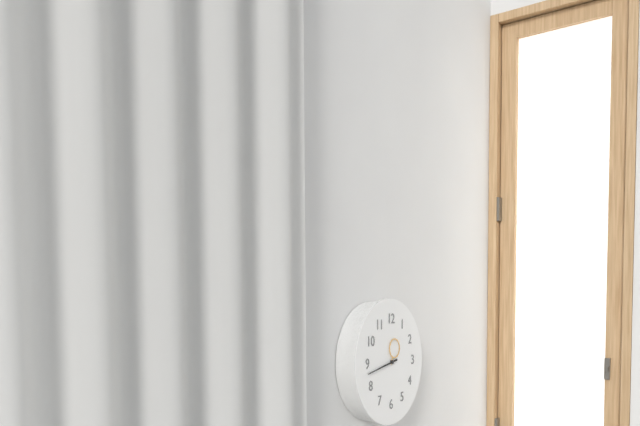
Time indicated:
12 h 43 min
